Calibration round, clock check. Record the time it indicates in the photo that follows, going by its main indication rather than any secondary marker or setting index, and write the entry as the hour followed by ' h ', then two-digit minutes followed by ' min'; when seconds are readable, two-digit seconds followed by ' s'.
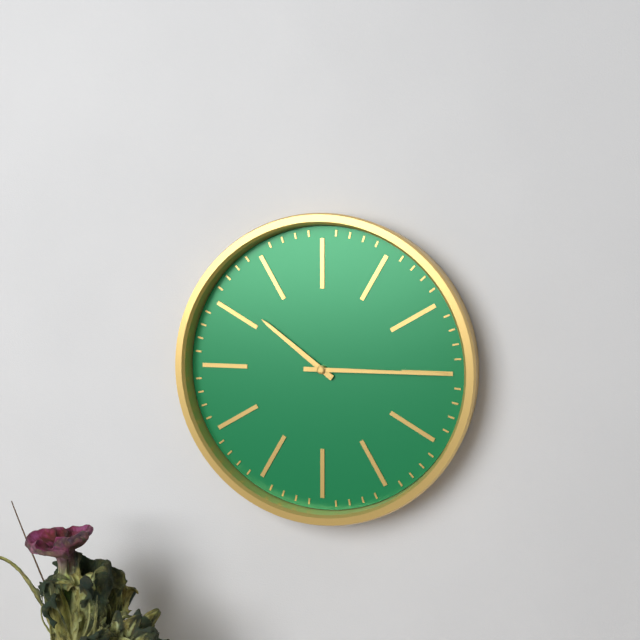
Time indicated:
10 h 15 min
